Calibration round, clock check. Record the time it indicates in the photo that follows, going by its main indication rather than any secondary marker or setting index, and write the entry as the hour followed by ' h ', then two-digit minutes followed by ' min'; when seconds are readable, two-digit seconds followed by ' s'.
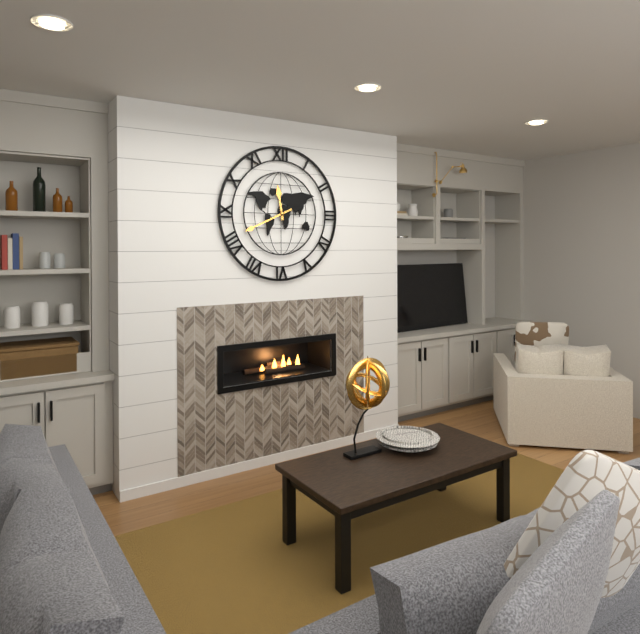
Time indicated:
11 h 41 min
